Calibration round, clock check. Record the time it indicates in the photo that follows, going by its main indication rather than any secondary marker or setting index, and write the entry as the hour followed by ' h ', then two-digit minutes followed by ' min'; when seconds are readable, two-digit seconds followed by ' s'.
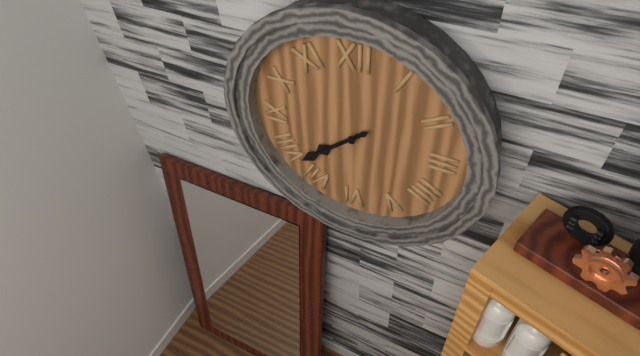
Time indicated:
7 h 38 min
